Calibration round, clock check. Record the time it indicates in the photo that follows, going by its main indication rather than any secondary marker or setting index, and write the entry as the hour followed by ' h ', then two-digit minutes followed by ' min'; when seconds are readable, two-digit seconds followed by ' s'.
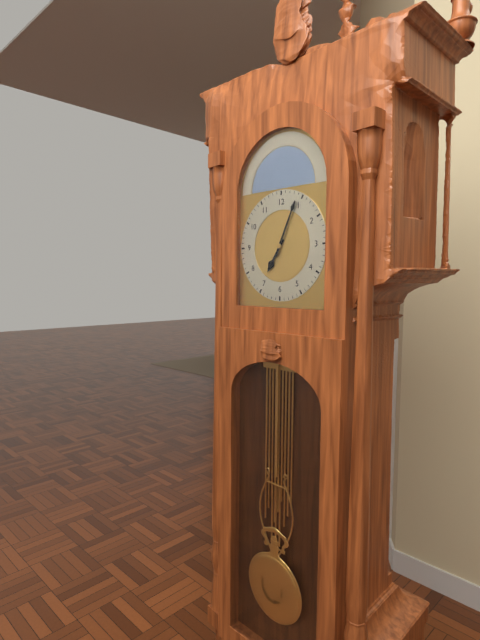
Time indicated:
7 h 04 min
